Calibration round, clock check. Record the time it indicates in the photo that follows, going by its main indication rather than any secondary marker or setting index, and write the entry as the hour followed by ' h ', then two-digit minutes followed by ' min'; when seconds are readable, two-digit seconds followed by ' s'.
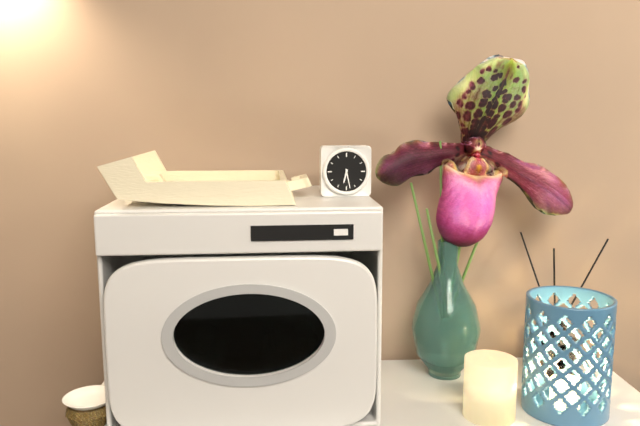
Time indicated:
6 h 28 min
